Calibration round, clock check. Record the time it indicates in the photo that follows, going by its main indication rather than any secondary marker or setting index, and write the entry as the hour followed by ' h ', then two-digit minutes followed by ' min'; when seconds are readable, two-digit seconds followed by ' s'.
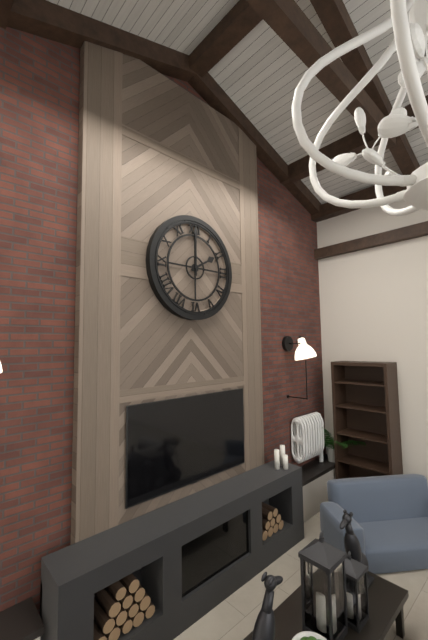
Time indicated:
2 h 00 min
